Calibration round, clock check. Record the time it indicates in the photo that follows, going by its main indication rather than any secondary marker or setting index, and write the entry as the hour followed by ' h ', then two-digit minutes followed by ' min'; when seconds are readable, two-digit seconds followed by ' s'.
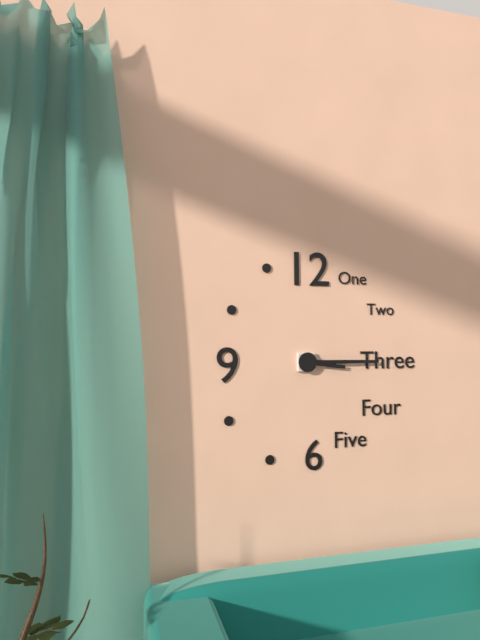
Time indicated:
3 h 15 min
